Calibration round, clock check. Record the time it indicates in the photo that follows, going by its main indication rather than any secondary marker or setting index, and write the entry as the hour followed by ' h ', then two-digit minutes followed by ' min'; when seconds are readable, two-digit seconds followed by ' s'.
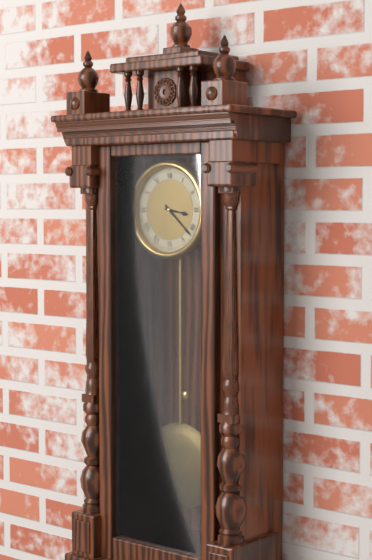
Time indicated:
3 h 22 min
